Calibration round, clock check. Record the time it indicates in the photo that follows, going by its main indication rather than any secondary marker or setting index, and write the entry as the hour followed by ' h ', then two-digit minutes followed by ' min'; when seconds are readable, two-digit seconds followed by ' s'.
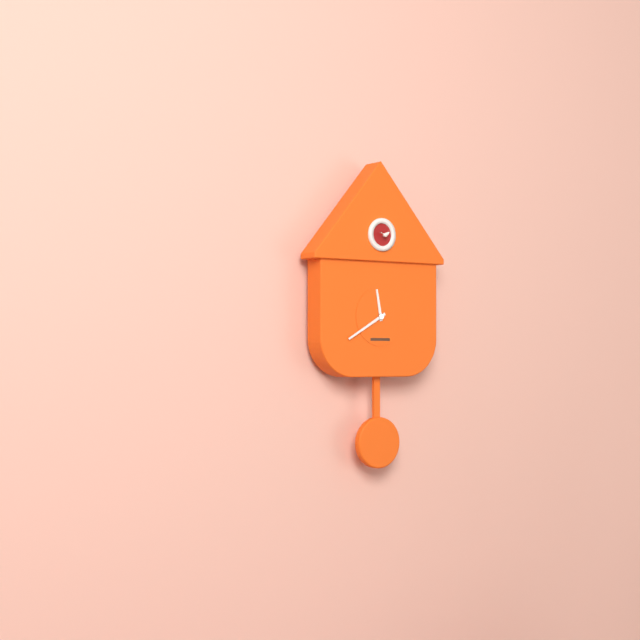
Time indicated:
11 h 40 min
